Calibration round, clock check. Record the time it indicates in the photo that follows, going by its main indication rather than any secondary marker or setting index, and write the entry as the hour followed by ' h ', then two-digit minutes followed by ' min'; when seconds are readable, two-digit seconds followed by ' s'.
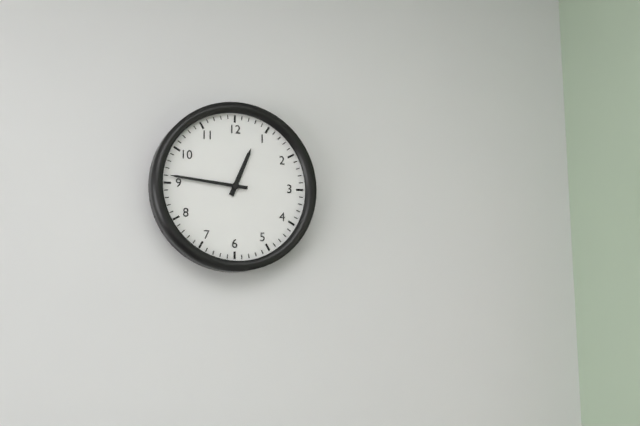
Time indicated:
12 h 46 min
